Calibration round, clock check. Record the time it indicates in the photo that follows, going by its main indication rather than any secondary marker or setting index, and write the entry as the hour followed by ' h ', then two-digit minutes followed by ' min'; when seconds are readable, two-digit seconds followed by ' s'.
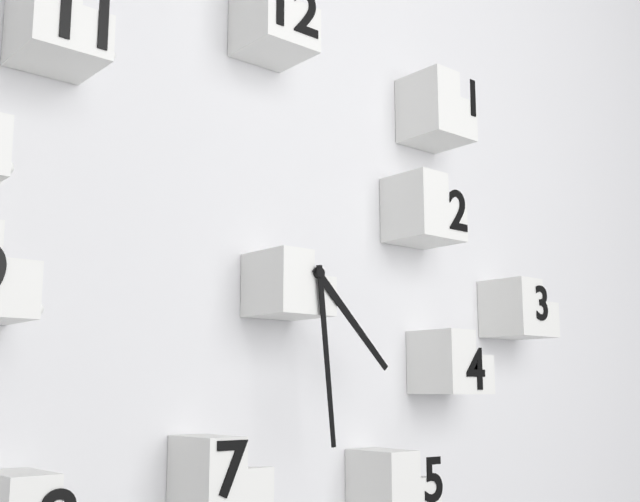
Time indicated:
4 h 29 min
